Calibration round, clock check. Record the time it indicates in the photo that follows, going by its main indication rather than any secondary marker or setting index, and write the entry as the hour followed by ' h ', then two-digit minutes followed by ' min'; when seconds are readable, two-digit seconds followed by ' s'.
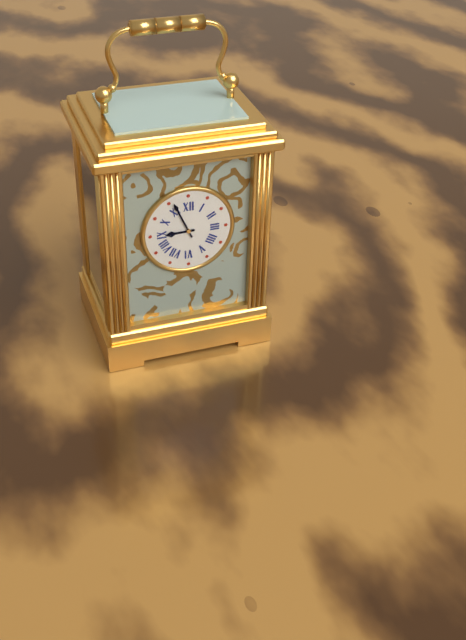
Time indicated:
8 h 56 min
